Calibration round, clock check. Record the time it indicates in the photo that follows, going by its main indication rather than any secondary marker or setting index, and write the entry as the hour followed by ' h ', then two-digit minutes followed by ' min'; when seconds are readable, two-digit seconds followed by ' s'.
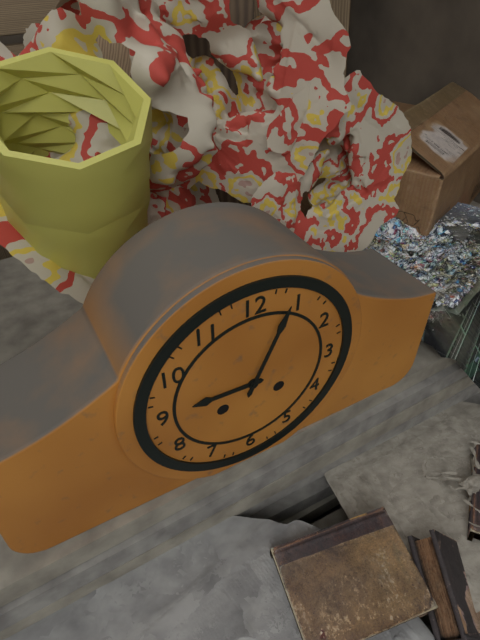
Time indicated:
9 h 04 min
